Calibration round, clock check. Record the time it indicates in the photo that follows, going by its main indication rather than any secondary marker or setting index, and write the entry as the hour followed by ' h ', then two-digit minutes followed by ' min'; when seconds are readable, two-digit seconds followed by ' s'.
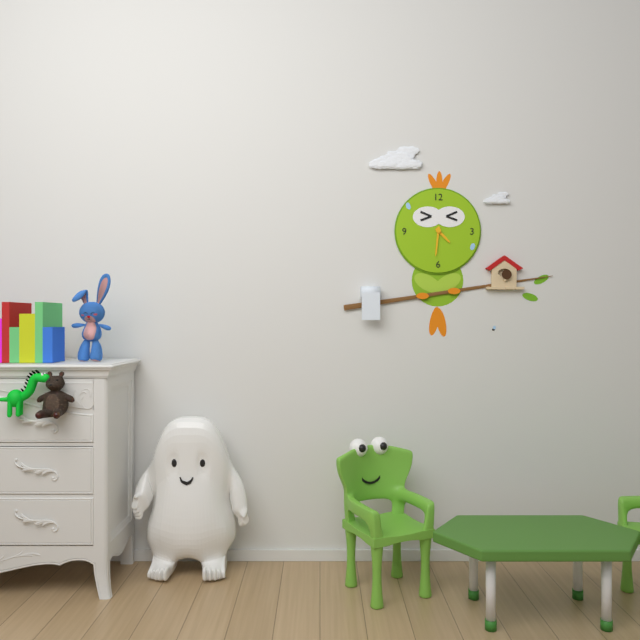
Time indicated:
4 h 31 min
